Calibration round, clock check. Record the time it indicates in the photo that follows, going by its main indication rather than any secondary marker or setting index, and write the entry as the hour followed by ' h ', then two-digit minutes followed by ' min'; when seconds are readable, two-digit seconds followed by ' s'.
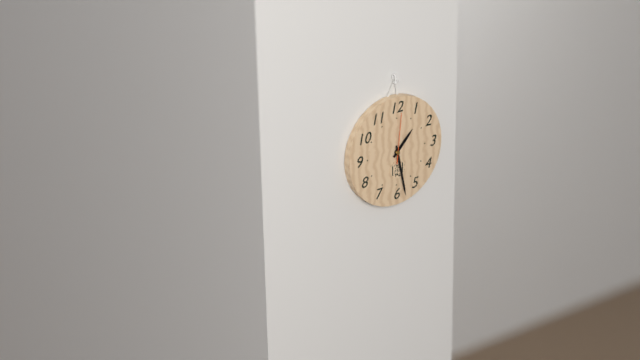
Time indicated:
1 h 28 min
